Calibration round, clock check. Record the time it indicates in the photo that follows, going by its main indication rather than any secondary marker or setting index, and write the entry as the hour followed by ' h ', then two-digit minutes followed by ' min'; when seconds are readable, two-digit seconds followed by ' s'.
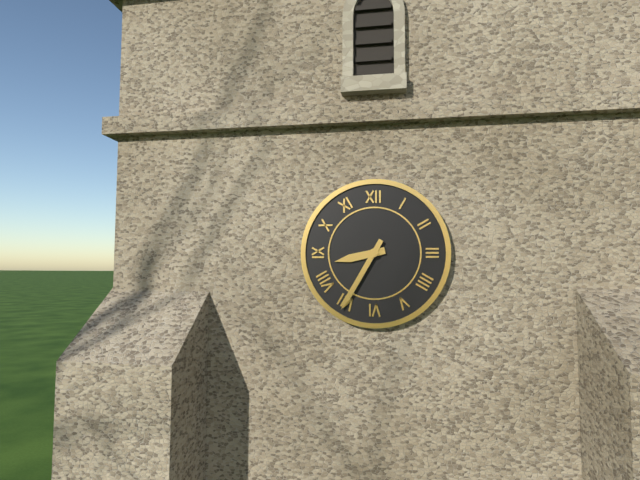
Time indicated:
8 h 35 min
